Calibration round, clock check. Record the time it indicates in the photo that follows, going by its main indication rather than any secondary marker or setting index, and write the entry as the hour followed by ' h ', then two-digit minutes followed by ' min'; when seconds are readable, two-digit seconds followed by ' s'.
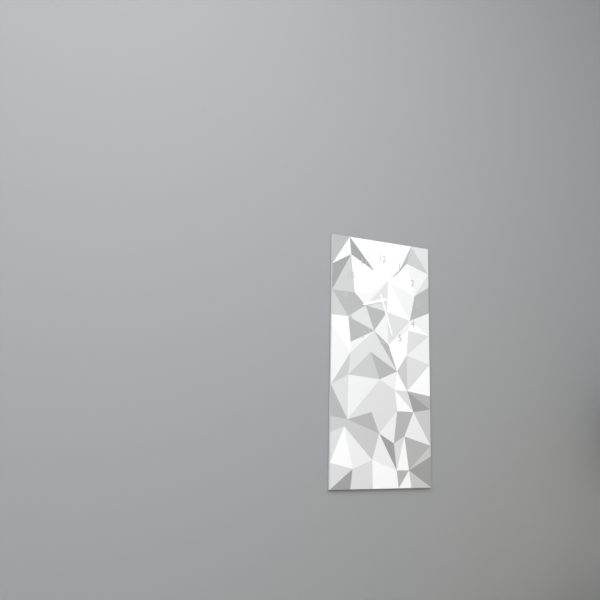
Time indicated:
8 h 27 min
